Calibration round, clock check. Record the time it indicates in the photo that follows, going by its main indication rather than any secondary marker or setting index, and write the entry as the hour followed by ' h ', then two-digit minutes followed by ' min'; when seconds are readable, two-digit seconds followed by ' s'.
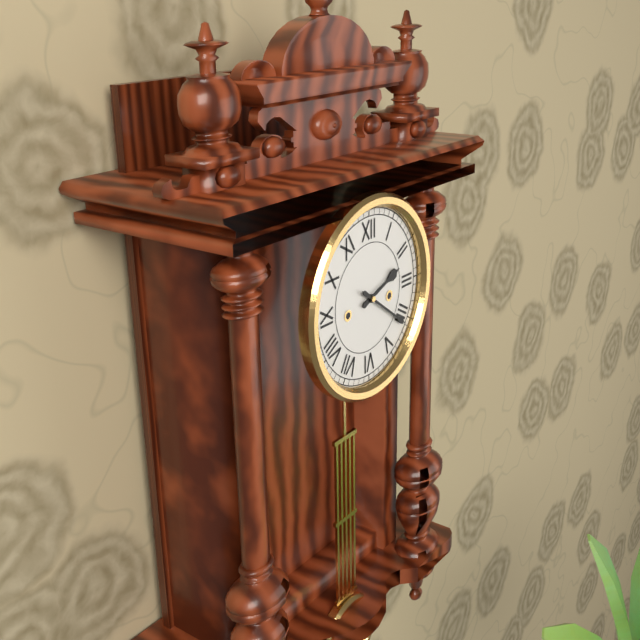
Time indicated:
2 h 21 min
